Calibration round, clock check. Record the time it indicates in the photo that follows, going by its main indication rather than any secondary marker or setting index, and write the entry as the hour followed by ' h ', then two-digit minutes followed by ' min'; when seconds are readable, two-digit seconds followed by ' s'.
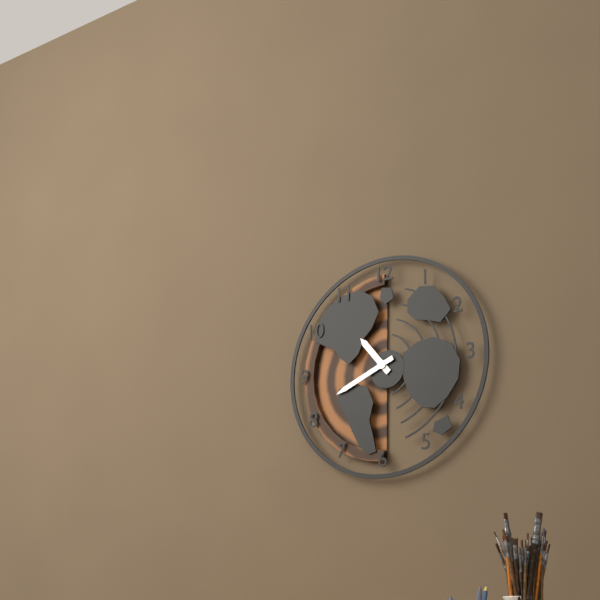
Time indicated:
10 h 41 min
